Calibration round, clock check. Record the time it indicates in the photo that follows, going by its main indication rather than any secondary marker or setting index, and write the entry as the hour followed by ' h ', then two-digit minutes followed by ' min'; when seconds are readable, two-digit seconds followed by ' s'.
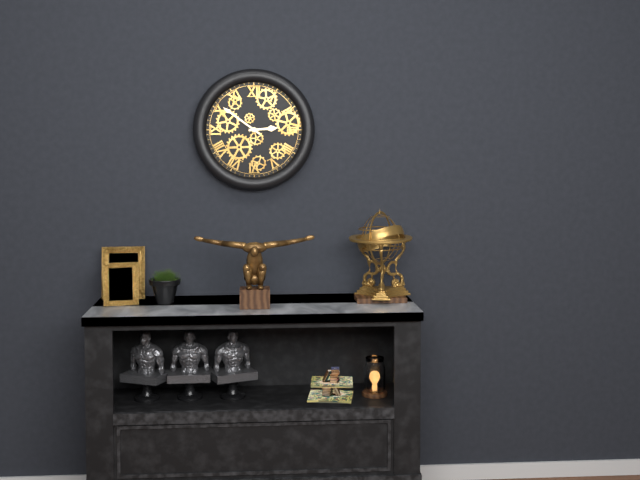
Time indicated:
2 h 51 min
